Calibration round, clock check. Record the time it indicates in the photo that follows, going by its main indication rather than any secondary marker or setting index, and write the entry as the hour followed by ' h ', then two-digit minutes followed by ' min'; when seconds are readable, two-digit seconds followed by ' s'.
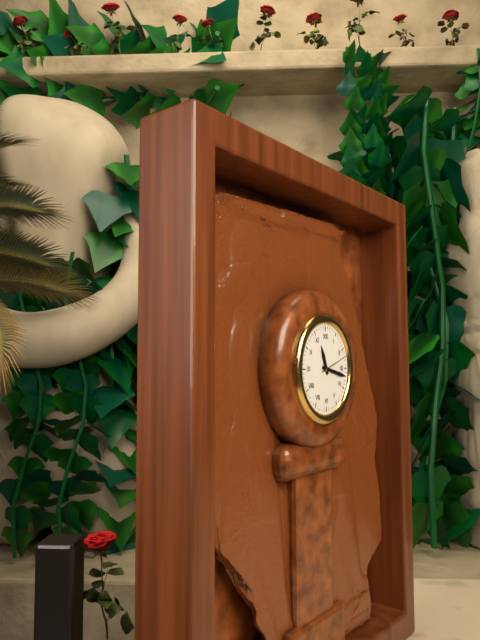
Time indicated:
11 h 17 min
